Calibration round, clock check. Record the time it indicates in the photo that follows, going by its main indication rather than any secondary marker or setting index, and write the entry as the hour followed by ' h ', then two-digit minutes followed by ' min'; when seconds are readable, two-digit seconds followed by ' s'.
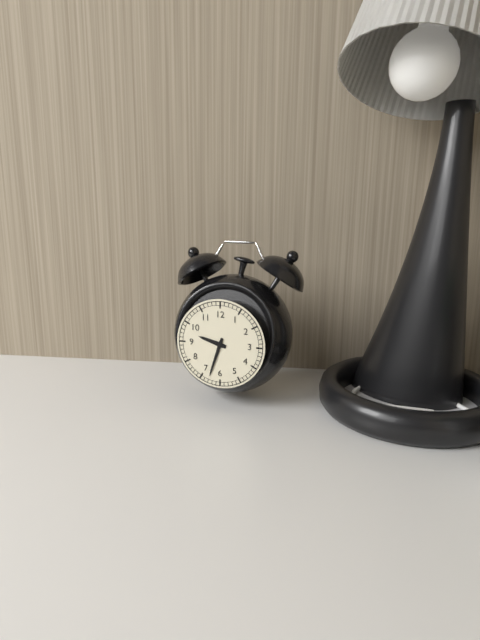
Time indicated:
9 h 33 min
